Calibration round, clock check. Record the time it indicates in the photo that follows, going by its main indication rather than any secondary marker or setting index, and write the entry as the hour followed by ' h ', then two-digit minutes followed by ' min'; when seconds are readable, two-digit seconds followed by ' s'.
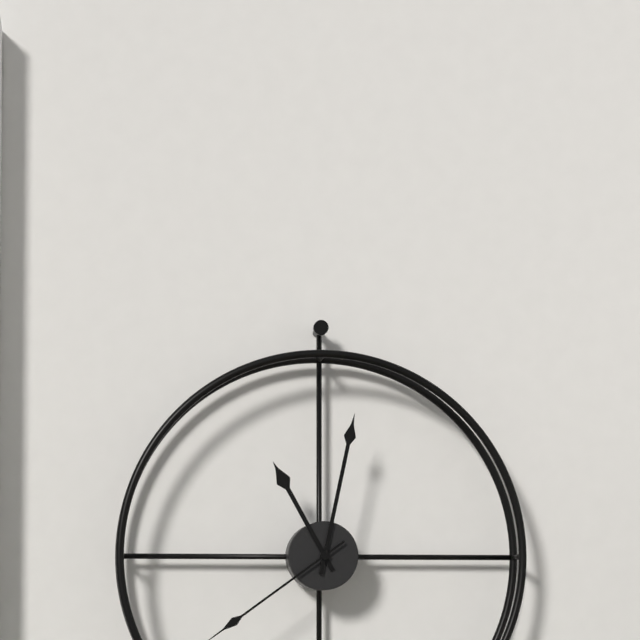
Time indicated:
11 h 02 min
